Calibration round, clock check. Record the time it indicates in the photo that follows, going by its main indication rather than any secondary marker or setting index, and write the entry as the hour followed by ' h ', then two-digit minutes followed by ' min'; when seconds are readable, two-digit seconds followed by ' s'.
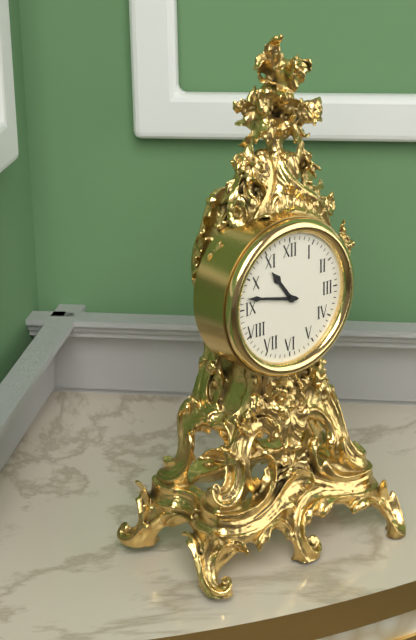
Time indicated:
10 h 47 min
